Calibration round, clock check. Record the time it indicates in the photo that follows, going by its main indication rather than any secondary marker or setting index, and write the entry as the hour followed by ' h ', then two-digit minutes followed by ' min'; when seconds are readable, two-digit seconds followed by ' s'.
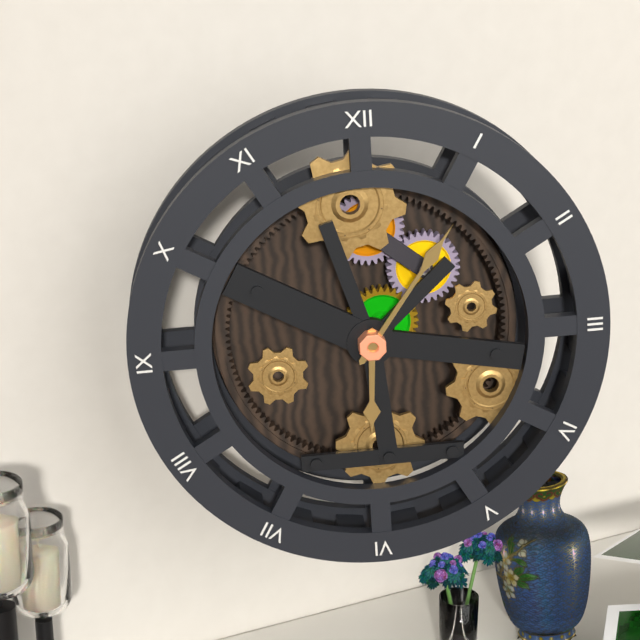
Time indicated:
6 h 06 min
